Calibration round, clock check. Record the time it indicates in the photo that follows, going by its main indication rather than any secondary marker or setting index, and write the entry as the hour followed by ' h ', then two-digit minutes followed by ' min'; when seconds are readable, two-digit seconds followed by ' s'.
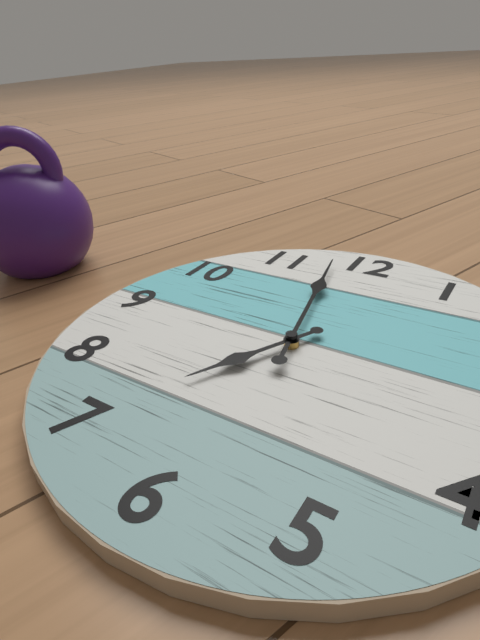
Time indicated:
6 h 58 min
